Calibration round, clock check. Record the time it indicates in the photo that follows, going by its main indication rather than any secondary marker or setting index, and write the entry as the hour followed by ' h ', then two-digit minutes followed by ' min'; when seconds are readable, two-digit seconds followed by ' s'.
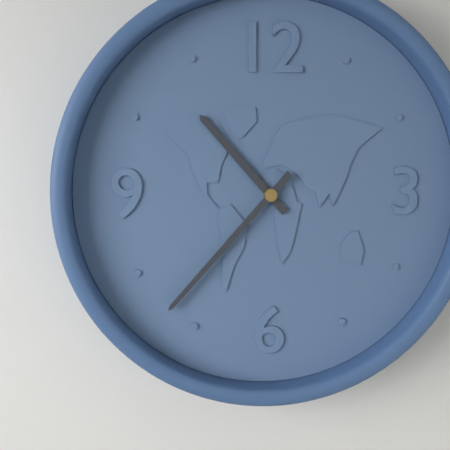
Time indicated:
10 h 37 min
